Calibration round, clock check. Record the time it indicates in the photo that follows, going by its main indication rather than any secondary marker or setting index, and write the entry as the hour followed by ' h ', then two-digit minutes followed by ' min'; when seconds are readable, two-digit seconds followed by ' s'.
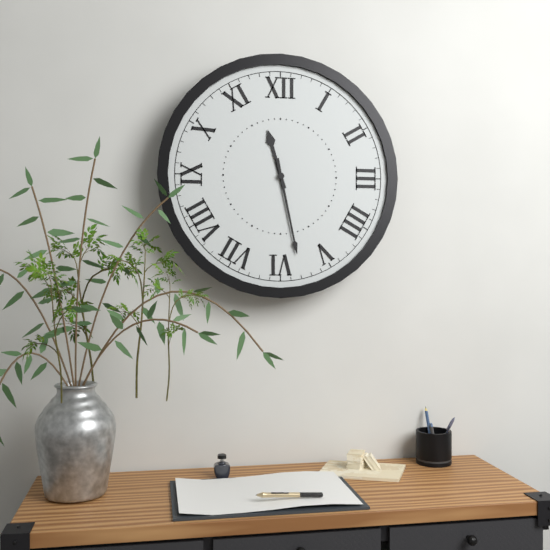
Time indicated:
11 h 28 min
